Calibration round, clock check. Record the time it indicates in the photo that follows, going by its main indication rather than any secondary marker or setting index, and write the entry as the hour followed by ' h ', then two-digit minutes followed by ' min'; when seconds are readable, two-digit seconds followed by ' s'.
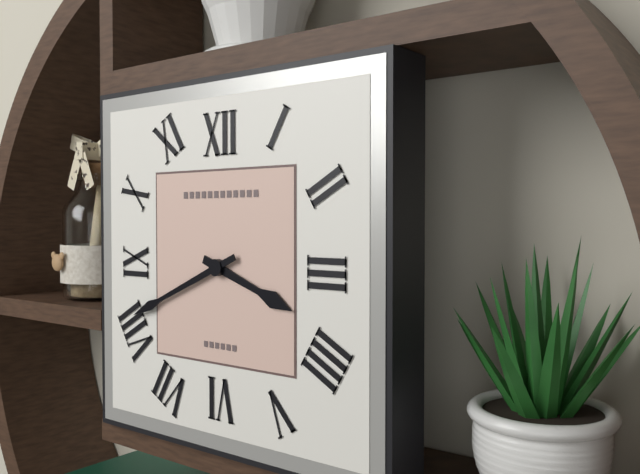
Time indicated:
3 h 41 min
